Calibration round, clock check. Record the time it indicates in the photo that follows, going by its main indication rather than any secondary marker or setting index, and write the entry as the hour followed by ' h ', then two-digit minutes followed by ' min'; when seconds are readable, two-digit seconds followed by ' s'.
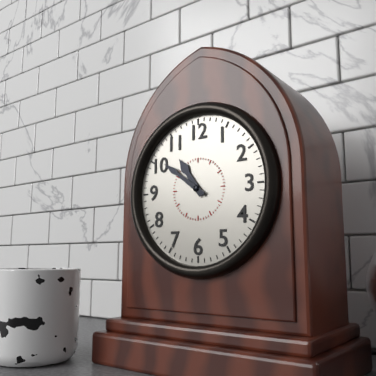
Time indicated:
10 h 51 min
